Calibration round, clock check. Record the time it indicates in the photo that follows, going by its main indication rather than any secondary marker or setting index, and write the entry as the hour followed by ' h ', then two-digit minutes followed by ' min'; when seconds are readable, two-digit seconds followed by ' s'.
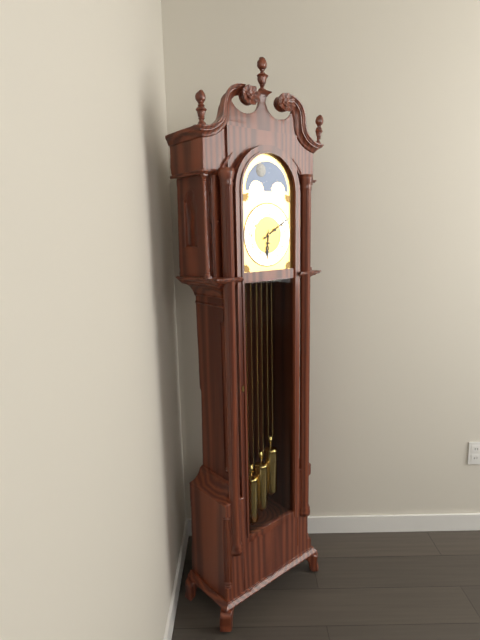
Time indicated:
6 h 10 min
